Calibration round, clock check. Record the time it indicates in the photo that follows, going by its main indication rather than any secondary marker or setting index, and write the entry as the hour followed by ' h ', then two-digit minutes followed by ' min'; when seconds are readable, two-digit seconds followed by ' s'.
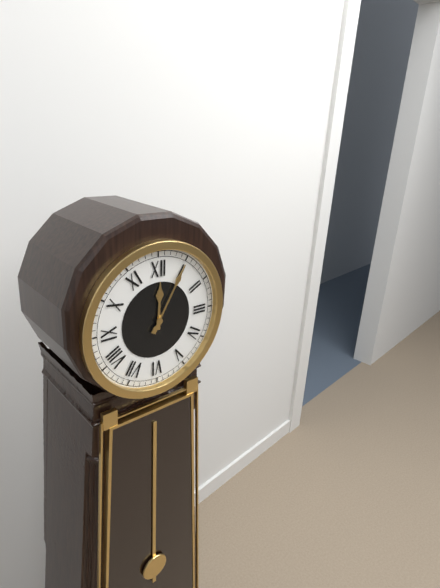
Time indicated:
12 h 05 min
